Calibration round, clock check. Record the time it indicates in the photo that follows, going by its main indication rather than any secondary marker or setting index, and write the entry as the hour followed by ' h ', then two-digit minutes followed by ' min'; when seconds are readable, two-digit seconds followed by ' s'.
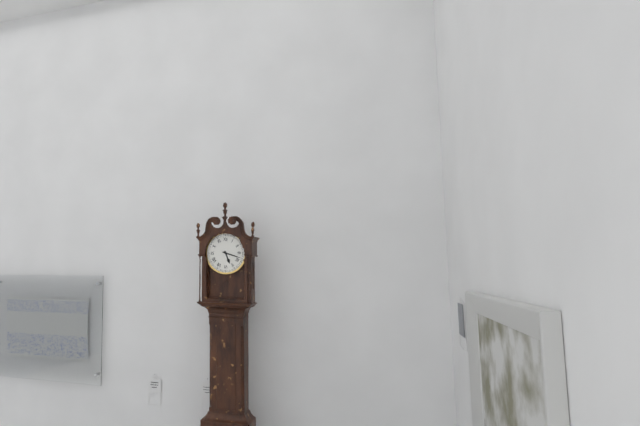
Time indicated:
5 h 18 min
